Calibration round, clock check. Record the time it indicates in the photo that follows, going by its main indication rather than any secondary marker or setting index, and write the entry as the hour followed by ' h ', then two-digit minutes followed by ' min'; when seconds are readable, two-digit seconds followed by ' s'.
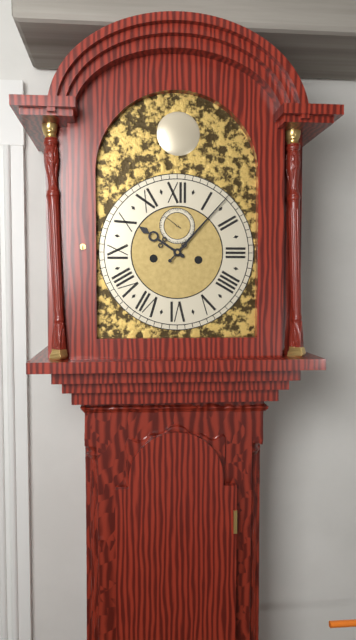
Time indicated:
10 h 07 min
